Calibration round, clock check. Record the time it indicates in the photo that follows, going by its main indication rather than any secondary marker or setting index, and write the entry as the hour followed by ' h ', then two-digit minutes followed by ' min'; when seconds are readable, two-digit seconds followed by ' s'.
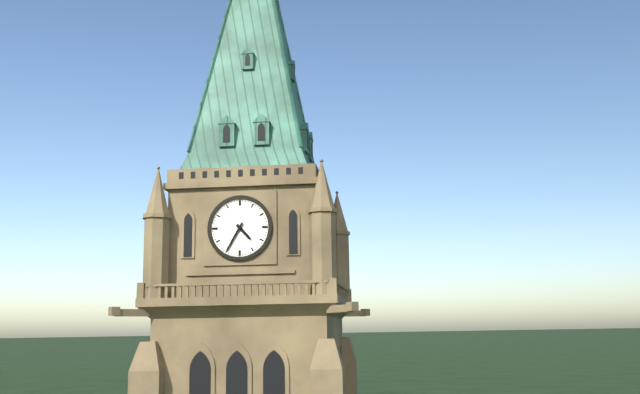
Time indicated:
4 h 35 min
